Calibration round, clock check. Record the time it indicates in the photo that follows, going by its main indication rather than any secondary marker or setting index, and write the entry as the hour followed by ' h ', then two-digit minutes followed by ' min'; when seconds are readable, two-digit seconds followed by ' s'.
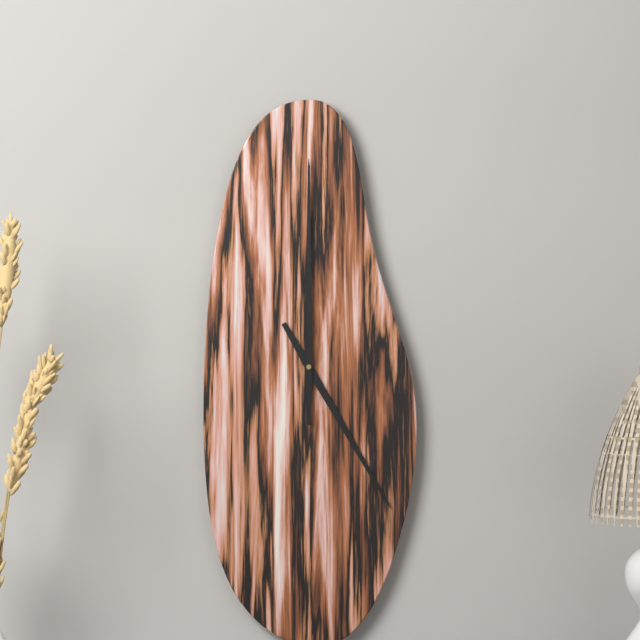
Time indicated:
5 h 00 min
